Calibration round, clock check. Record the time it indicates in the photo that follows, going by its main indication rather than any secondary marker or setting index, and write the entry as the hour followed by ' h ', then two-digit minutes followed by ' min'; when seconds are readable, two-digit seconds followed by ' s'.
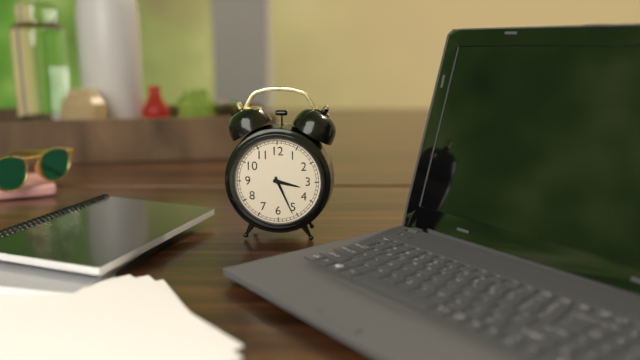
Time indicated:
3 h 26 min
